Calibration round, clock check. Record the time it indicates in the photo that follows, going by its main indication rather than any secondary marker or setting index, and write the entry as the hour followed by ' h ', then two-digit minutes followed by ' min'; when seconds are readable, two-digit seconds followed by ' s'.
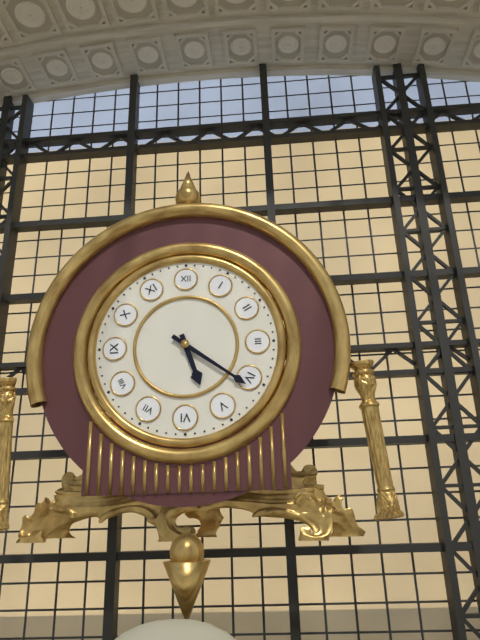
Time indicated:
5 h 21 min
